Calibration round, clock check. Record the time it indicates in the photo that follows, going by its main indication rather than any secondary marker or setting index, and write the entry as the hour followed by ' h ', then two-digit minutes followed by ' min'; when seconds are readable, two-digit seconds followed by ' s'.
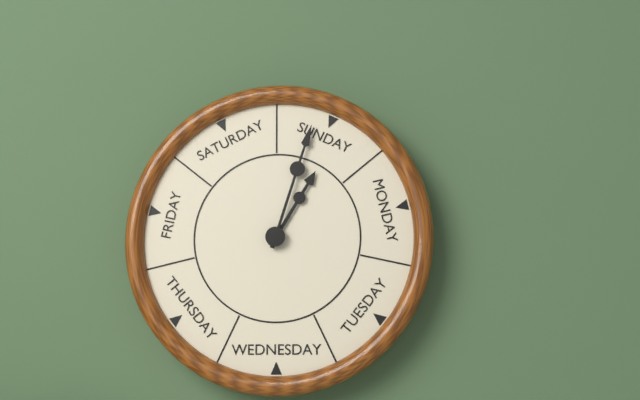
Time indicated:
1 h 03 min
